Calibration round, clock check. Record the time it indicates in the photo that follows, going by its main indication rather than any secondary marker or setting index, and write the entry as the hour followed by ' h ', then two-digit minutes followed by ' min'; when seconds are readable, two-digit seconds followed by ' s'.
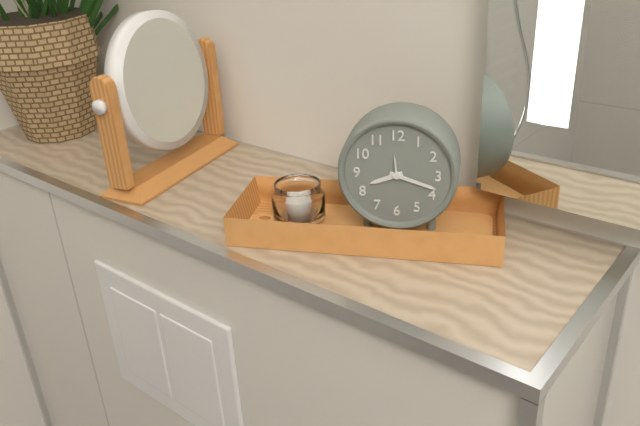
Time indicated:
8 h 18 min
